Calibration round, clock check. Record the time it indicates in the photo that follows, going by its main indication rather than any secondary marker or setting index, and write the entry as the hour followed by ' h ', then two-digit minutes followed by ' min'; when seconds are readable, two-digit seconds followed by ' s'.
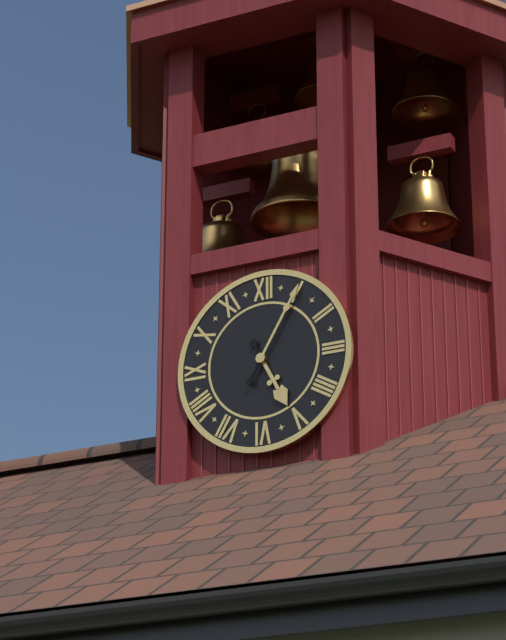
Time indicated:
5 h 05 min
